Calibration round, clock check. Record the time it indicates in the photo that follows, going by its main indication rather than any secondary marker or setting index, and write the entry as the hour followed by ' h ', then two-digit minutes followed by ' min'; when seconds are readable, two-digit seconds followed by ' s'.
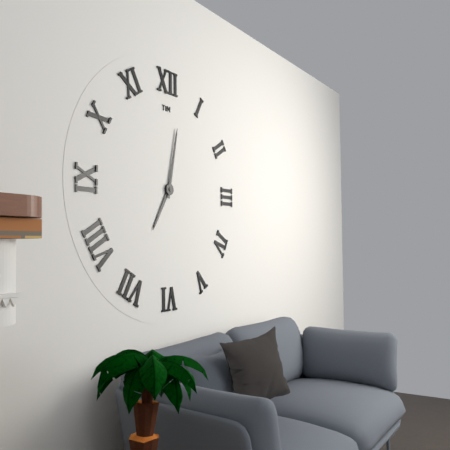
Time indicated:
7 h 02 min
